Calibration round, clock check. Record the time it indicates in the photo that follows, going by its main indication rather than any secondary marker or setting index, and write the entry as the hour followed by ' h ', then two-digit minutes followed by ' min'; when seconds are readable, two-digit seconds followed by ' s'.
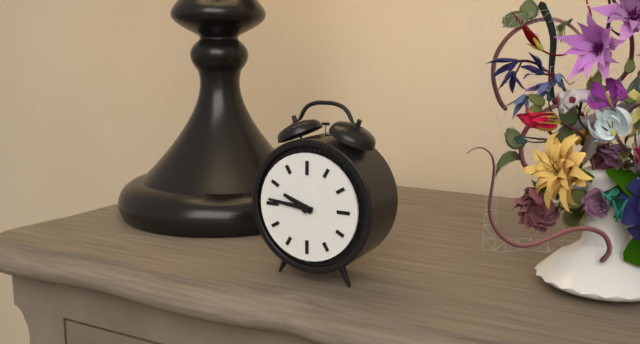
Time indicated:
9 h 46 min
